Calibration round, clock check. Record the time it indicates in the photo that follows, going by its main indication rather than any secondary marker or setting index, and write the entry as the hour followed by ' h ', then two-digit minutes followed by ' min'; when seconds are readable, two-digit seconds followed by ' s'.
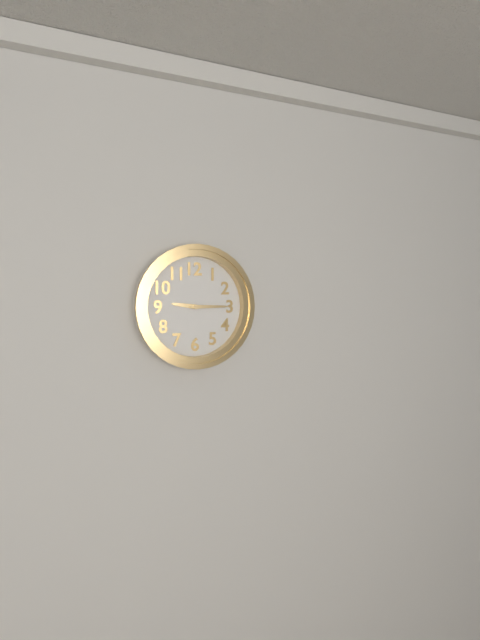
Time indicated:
9 h 15 min
